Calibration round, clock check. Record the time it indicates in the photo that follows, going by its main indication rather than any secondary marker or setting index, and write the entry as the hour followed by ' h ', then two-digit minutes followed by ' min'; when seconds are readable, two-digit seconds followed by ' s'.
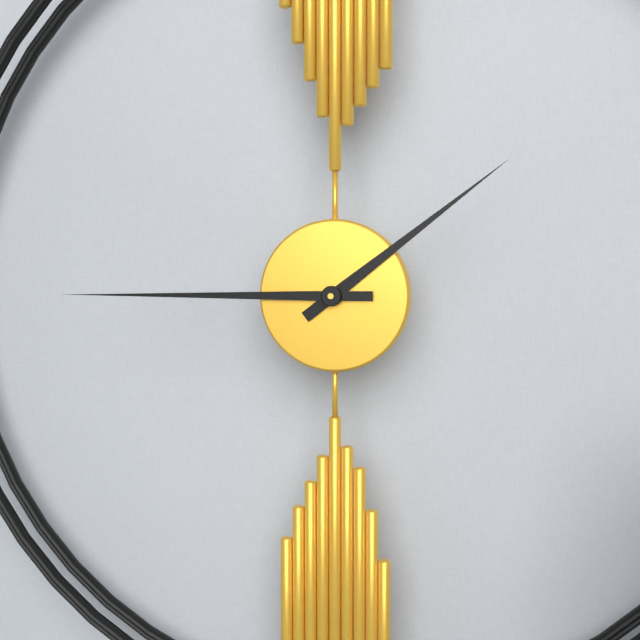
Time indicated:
1 h 45 min
